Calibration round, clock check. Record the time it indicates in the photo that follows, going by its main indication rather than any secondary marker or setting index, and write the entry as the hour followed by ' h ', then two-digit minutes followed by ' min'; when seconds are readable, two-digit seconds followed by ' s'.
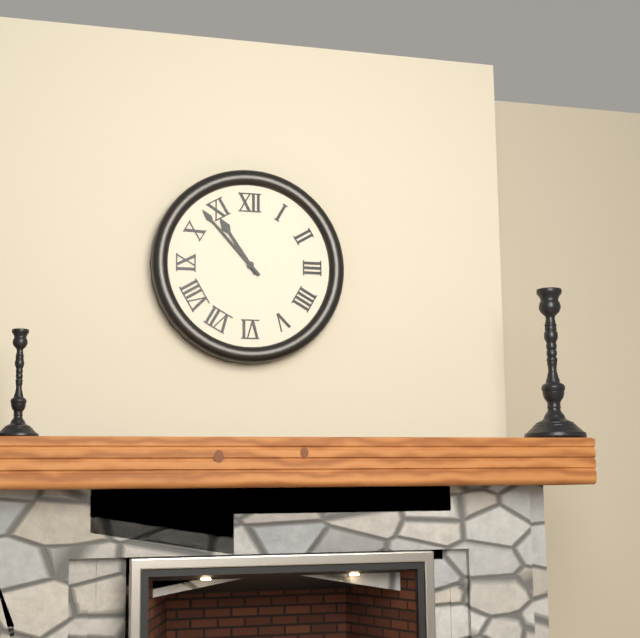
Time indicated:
10 h 53 min
